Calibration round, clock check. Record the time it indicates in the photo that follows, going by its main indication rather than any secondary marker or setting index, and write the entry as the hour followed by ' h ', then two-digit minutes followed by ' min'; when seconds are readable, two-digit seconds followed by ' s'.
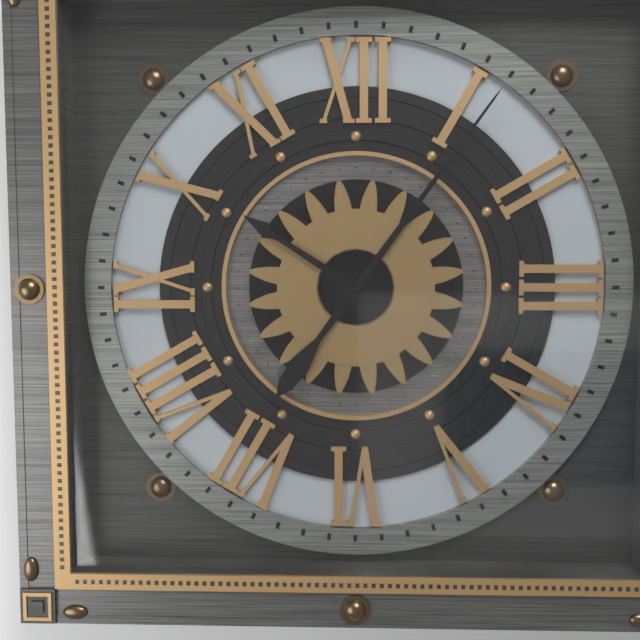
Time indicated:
10 h 06 min
